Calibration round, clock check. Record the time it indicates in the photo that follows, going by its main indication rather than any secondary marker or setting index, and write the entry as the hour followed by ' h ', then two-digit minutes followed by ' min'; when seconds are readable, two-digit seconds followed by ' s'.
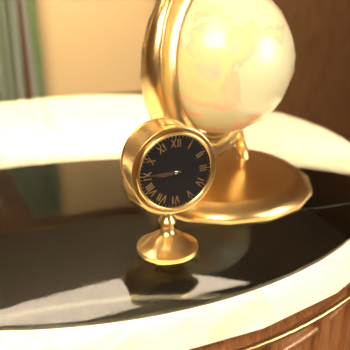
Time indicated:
8 h 45 min
